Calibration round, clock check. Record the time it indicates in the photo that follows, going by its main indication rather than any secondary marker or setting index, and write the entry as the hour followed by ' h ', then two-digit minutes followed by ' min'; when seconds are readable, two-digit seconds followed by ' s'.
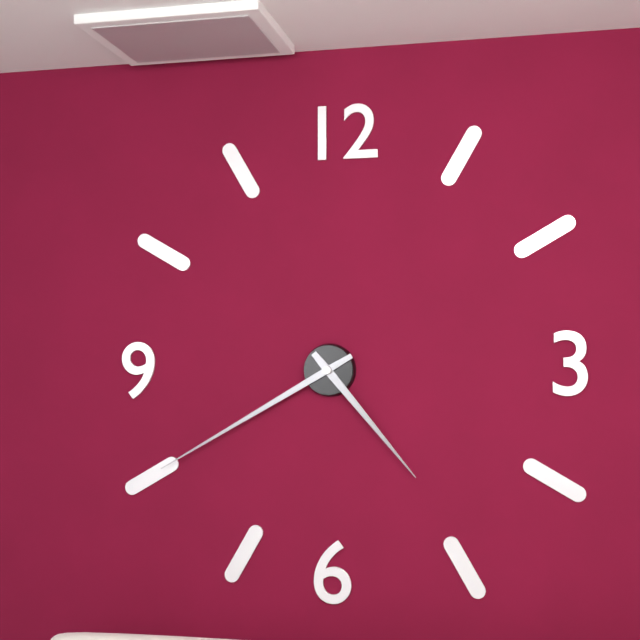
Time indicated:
4 h 40 min
